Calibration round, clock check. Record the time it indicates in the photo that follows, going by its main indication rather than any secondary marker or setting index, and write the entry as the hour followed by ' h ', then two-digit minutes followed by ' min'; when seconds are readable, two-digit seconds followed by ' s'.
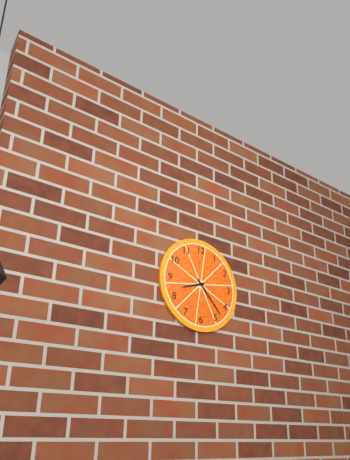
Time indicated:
8 h 23 min
